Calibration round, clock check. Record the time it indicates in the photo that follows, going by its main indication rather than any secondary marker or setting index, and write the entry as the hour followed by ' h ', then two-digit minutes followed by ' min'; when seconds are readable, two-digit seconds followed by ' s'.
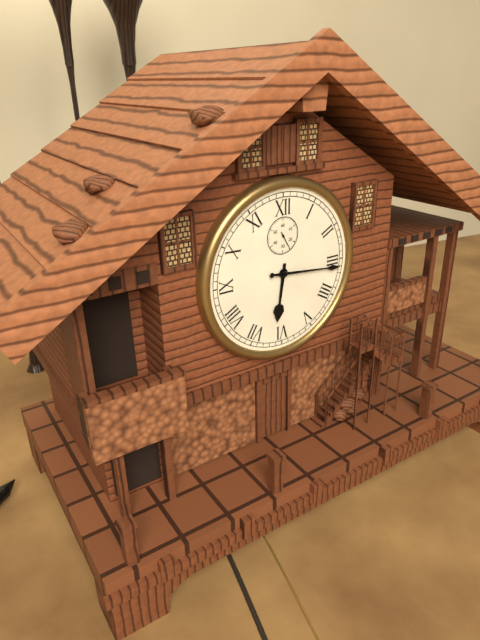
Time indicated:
6 h 16 min
